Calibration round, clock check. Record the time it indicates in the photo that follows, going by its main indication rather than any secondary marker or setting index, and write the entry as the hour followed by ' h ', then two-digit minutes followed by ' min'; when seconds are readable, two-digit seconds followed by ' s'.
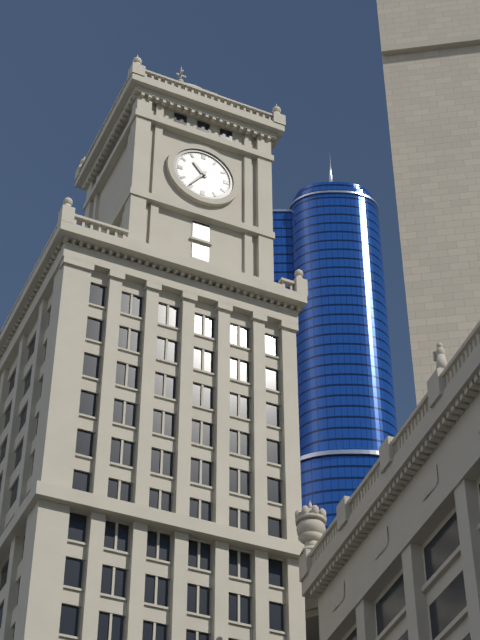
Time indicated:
10 h 36 min
